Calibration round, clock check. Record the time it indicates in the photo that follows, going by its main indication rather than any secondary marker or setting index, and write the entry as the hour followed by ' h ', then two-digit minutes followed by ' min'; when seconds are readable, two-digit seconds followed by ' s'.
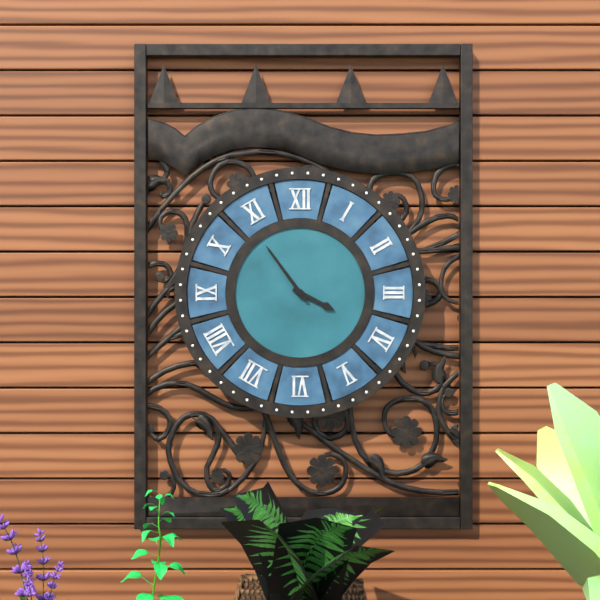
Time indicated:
3 h 54 min
